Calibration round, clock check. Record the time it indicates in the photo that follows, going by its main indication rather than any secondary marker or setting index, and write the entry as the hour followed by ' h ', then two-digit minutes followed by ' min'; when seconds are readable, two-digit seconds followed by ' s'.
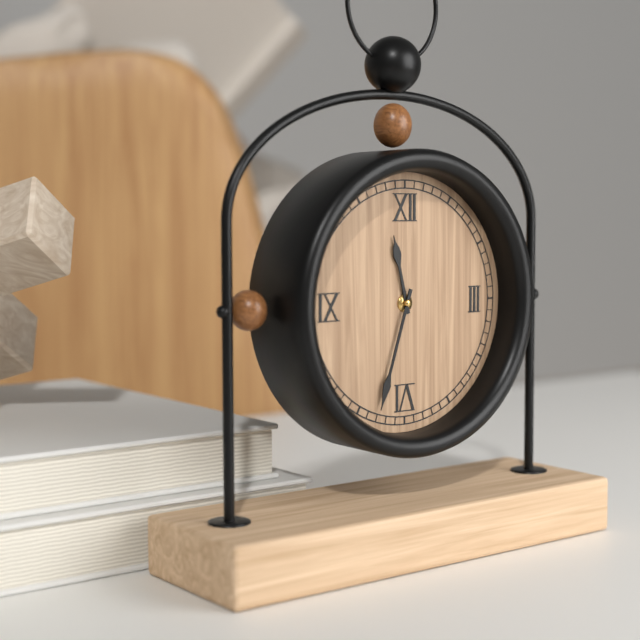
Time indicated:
11 h 33 min
